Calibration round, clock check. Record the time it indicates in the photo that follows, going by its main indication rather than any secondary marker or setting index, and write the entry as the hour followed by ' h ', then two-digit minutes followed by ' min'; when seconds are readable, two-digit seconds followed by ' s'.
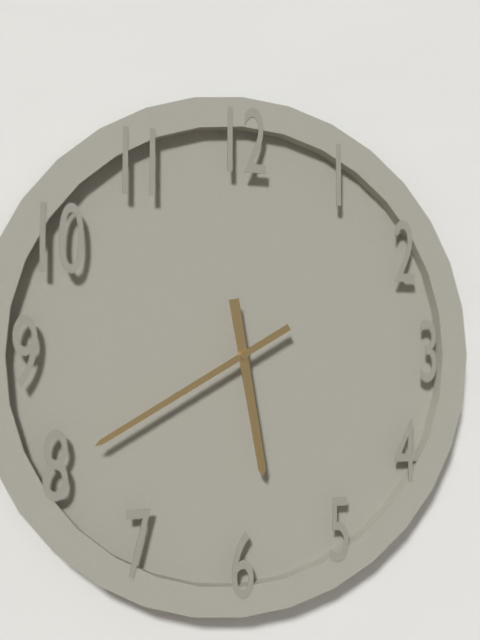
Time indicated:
5 h 40 min
